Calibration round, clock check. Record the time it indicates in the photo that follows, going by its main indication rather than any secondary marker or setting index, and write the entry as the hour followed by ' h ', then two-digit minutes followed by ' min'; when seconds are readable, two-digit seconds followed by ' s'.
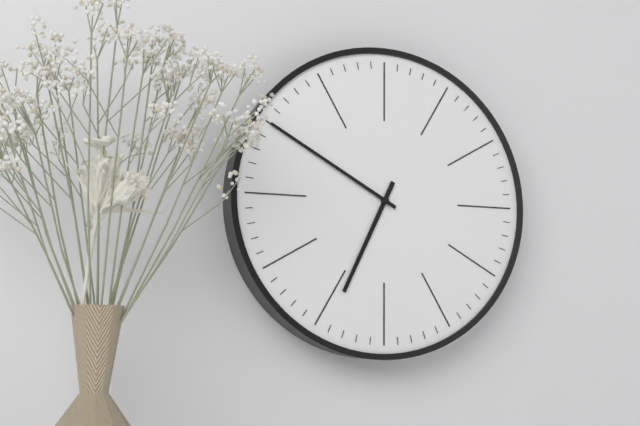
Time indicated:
6 h 50 min
